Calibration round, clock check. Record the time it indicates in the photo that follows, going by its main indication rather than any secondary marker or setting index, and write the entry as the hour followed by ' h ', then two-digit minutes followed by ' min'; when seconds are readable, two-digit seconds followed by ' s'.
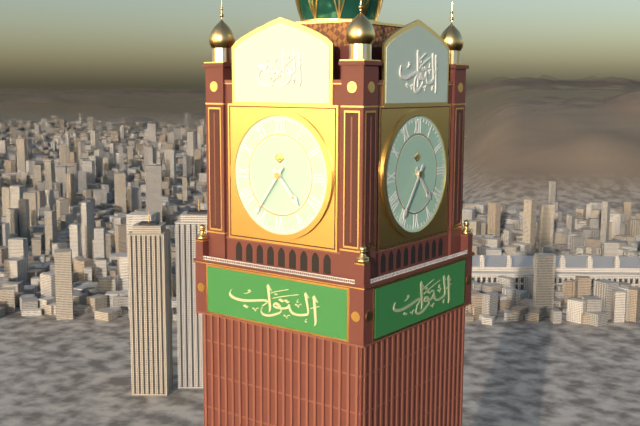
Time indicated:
4 h 36 min
